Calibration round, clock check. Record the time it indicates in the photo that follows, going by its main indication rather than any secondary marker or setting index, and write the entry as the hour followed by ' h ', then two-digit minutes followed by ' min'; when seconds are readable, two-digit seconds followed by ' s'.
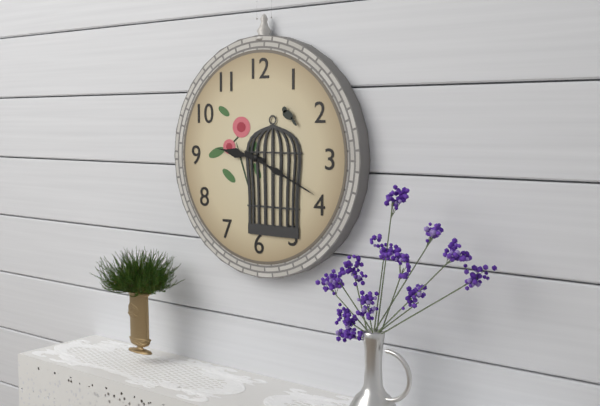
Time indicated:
9 h 19 min
